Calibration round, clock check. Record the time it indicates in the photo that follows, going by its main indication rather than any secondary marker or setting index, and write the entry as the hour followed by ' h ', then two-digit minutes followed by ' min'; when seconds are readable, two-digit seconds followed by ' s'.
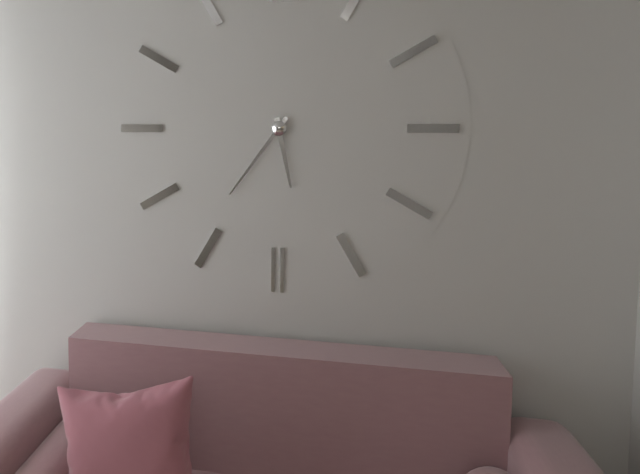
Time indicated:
5 h 36 min
